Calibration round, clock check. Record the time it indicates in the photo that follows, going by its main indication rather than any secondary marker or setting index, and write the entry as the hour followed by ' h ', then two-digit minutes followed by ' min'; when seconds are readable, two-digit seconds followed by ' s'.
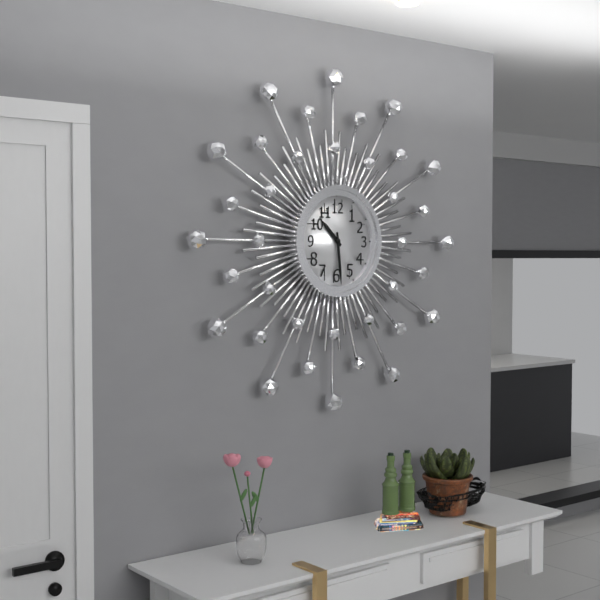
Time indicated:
10 h 29 min
